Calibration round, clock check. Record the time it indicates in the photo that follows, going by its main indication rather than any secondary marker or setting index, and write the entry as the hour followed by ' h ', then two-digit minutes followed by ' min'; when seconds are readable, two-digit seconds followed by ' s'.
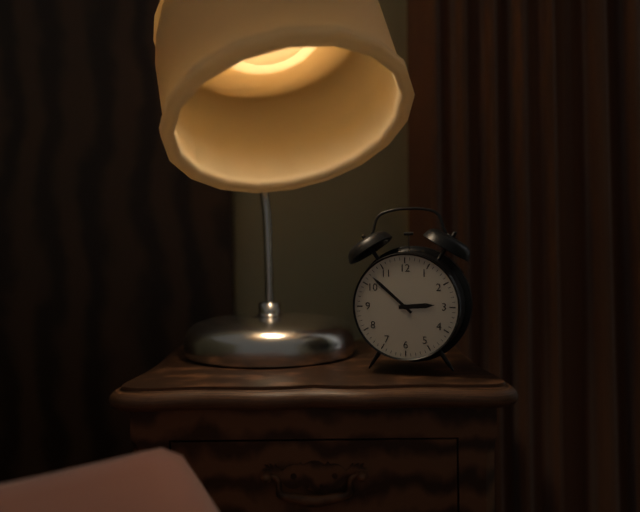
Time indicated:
2 h 52 min
